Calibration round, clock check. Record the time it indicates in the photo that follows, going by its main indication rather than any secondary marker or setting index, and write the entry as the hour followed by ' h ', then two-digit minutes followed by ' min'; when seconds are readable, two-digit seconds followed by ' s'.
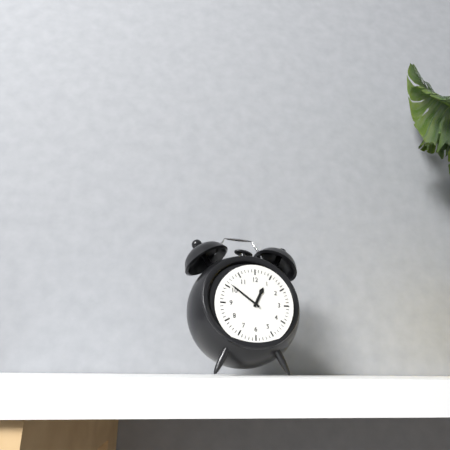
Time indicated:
12 h 51 min
